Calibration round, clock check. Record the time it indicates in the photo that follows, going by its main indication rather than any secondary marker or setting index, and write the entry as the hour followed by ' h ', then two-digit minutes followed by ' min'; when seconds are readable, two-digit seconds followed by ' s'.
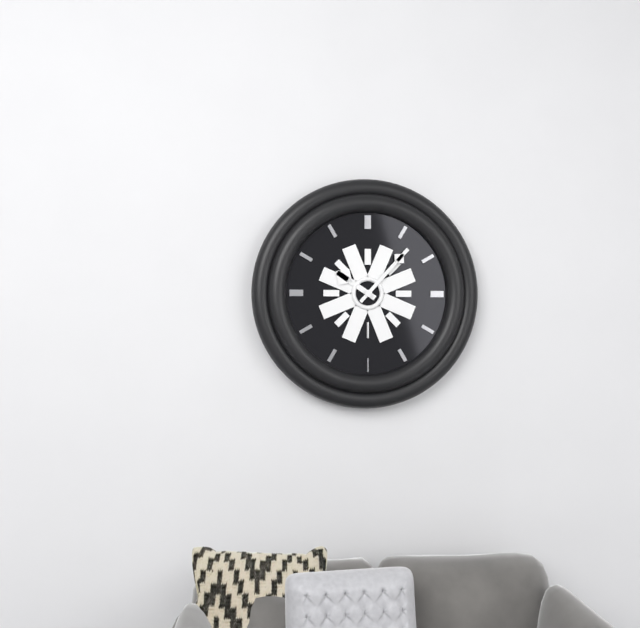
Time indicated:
10 h 07 min
